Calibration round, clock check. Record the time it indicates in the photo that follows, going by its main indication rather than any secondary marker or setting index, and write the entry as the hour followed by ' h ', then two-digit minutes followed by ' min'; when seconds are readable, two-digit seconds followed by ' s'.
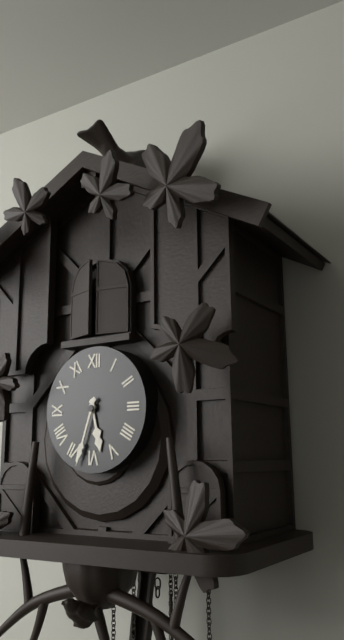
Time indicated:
5 h 33 min
